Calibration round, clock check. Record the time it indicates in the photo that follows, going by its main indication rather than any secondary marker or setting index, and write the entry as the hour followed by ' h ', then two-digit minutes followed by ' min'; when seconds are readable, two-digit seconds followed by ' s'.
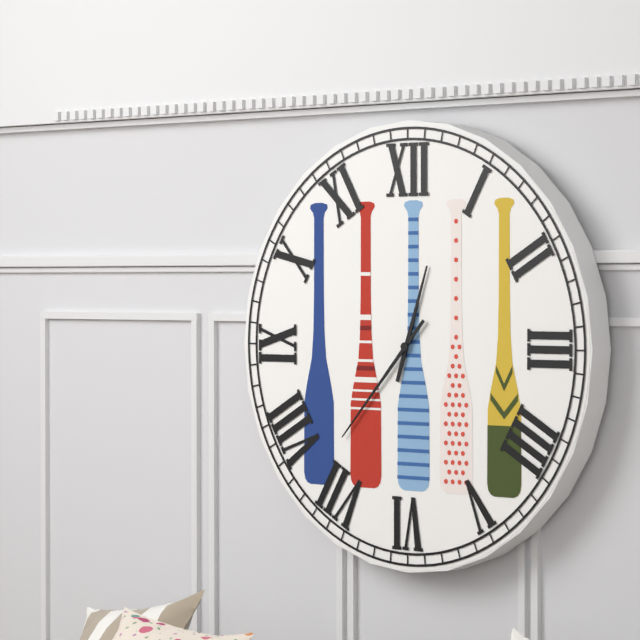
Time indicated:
12 h 37 min
